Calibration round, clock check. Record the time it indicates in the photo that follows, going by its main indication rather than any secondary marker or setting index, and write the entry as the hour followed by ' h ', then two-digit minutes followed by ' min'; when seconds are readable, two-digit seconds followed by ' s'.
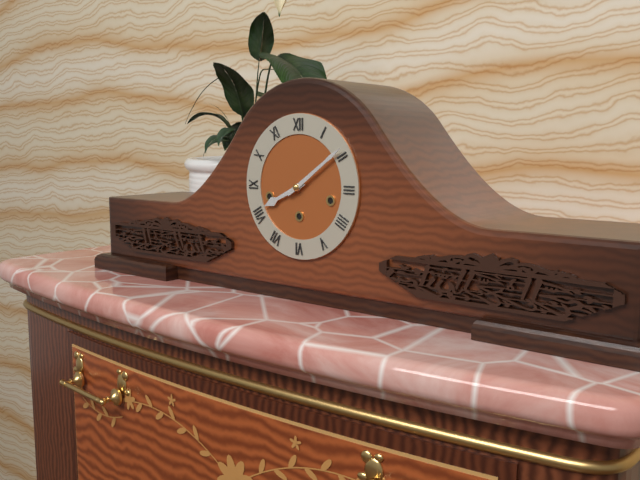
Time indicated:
8 h 09 min
